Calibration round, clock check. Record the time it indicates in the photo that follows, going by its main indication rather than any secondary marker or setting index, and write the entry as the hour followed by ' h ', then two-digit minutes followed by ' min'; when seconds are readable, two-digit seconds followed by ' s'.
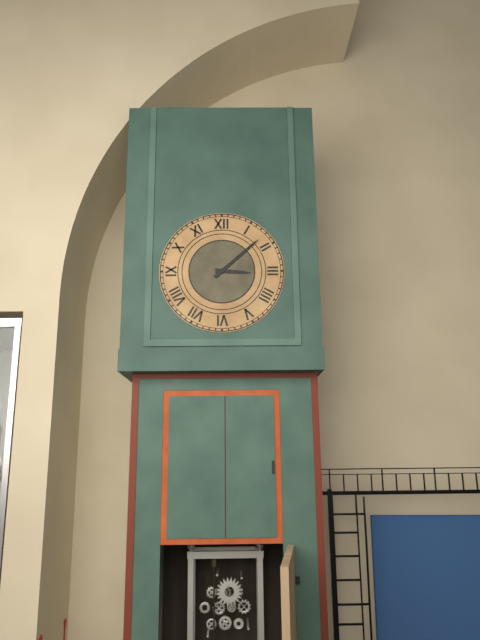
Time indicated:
3 h 08 min
